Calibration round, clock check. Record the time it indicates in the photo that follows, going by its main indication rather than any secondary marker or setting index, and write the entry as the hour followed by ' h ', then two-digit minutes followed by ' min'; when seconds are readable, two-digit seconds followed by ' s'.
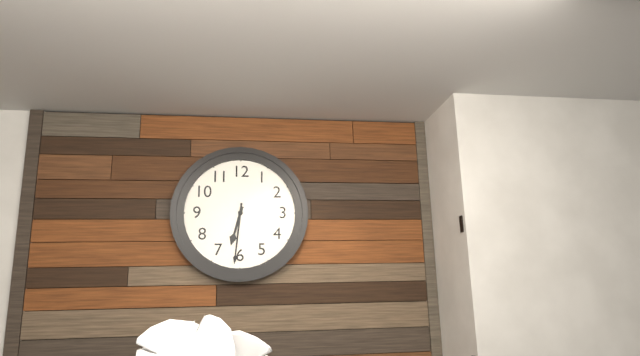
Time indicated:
6 h 31 min
